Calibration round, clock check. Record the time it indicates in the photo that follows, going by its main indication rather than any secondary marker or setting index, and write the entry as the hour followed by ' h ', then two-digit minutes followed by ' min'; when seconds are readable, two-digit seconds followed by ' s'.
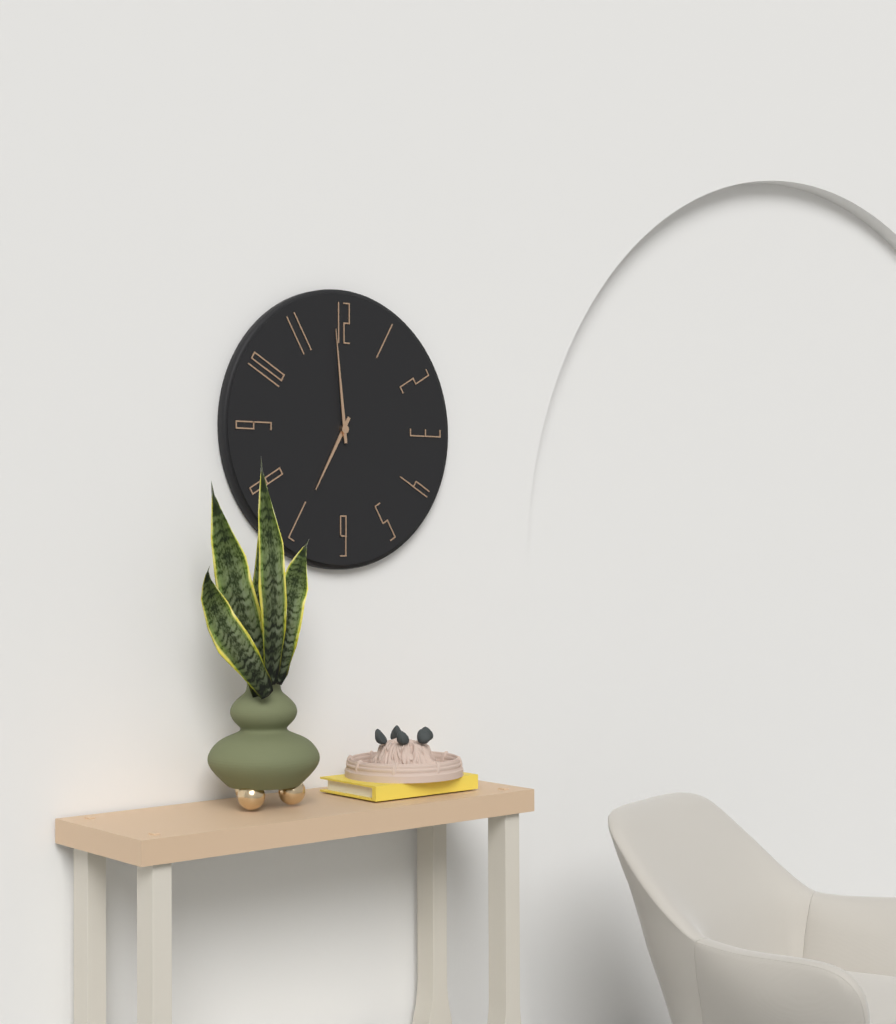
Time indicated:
6 h 59 min
